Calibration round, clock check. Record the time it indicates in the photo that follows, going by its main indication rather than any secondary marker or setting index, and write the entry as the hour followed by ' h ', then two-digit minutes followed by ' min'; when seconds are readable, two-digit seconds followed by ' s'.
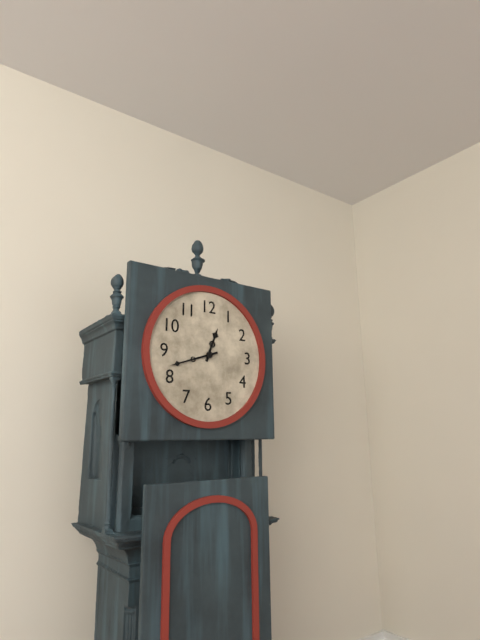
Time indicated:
12 h 42 min
